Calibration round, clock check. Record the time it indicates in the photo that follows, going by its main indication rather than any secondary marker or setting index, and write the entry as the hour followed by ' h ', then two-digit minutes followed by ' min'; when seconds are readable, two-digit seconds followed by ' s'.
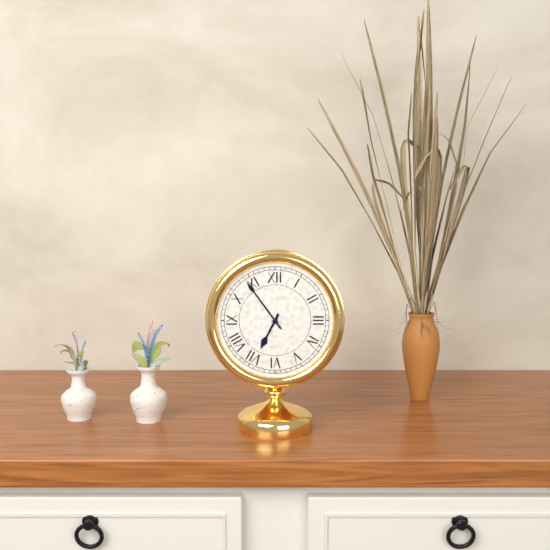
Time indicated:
6 h 54 min
